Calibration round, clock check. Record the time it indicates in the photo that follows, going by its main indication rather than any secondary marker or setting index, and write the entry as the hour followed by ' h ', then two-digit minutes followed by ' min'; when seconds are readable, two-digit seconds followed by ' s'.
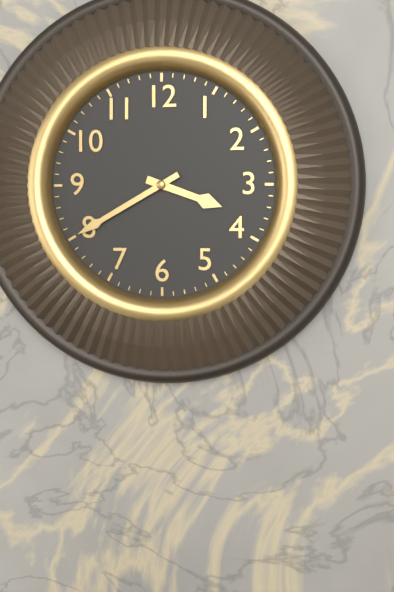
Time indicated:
3 h 40 min
